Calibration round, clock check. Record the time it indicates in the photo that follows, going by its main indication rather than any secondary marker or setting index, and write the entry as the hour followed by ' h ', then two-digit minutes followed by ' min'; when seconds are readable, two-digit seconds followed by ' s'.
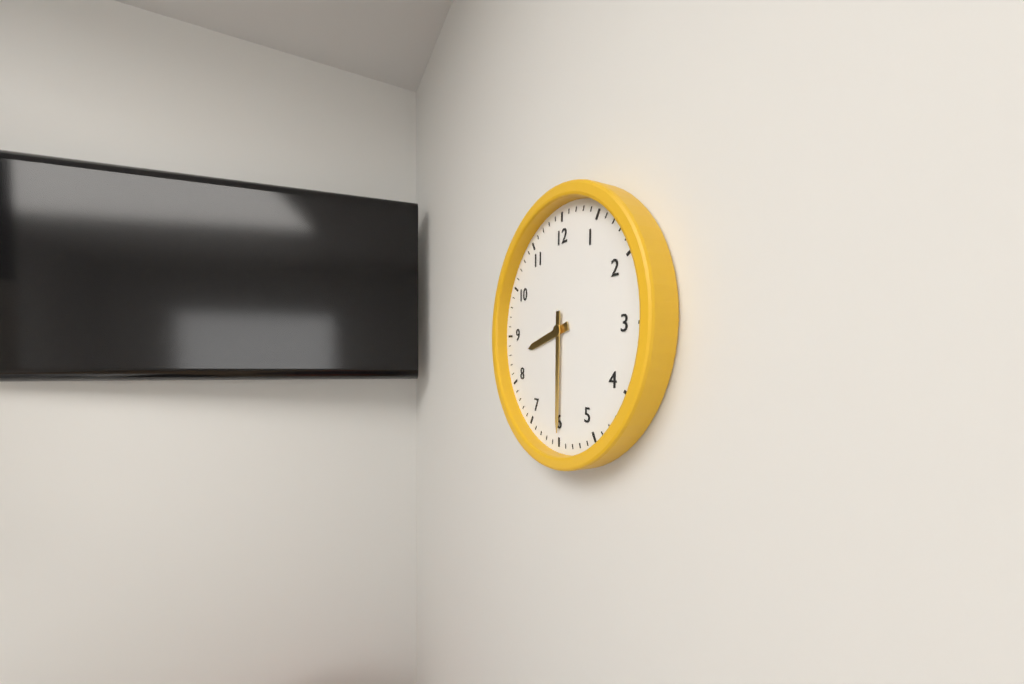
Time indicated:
8 h 30 min
